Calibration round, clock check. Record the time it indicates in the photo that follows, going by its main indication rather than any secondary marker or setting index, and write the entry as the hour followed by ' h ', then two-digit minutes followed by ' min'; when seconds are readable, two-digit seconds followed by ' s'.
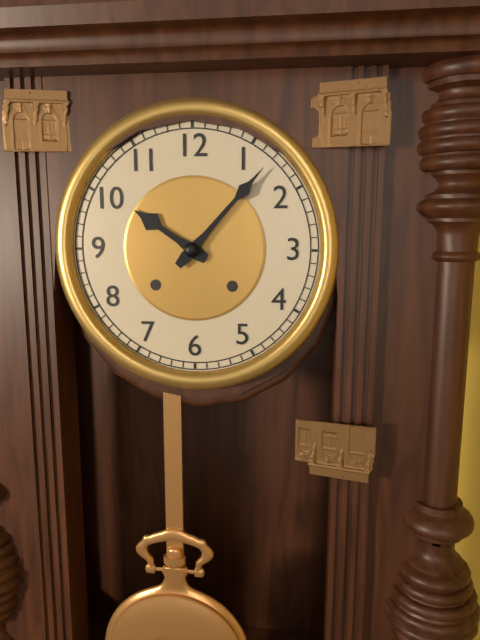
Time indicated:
10 h 07 min
